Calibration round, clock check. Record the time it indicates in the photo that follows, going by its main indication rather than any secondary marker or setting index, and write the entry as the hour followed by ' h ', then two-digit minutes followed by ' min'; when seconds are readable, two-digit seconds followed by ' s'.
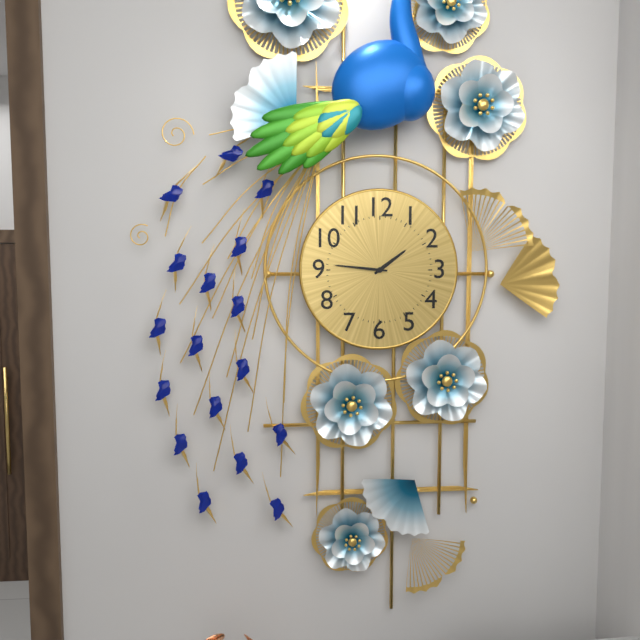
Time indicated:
1 h 46 min
